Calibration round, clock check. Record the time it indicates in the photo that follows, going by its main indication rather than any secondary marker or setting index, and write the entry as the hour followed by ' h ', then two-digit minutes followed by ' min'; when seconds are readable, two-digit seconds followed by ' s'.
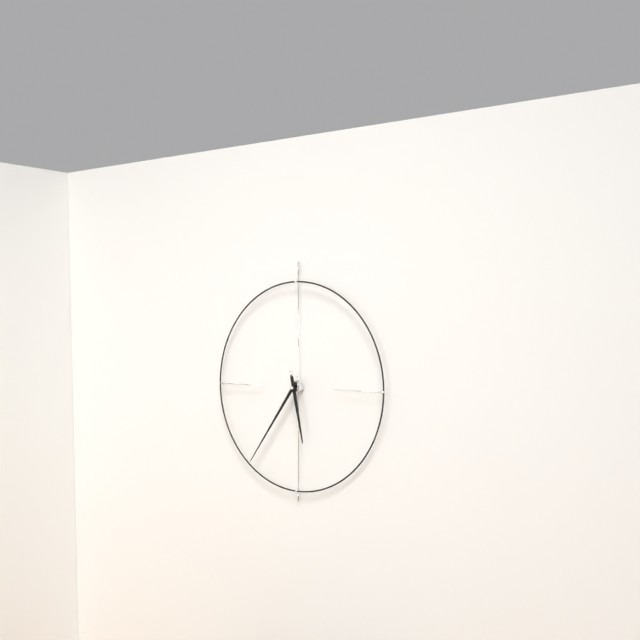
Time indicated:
5 h 36 min
